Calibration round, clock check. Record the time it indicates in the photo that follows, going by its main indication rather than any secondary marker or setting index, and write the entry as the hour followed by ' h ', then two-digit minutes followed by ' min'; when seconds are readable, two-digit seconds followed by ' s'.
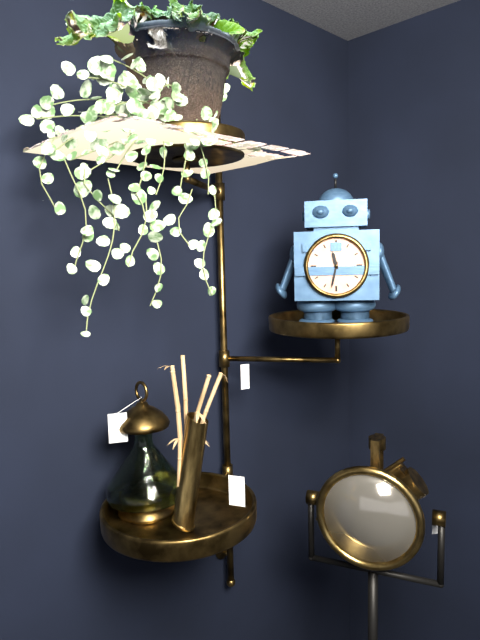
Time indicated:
11 h 32 min
